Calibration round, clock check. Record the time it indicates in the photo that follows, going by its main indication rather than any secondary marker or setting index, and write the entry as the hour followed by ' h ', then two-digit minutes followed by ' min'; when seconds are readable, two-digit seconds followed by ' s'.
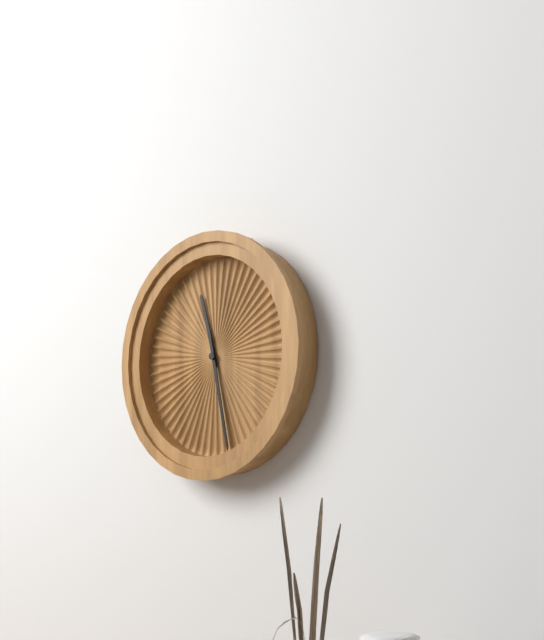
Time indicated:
11 h 28 min
